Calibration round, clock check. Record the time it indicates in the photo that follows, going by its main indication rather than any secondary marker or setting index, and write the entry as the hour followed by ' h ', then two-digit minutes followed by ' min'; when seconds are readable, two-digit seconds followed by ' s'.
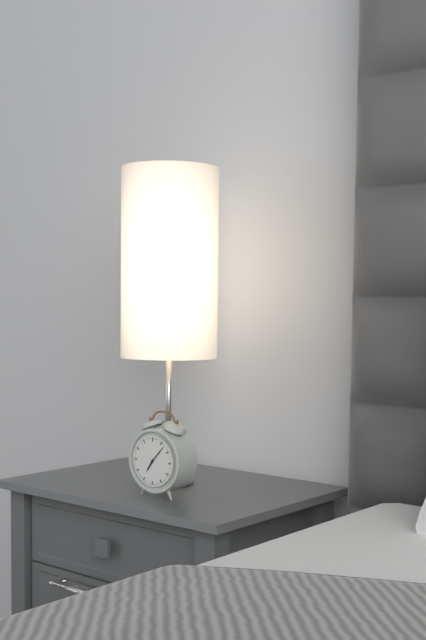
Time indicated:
7 h 07 min
